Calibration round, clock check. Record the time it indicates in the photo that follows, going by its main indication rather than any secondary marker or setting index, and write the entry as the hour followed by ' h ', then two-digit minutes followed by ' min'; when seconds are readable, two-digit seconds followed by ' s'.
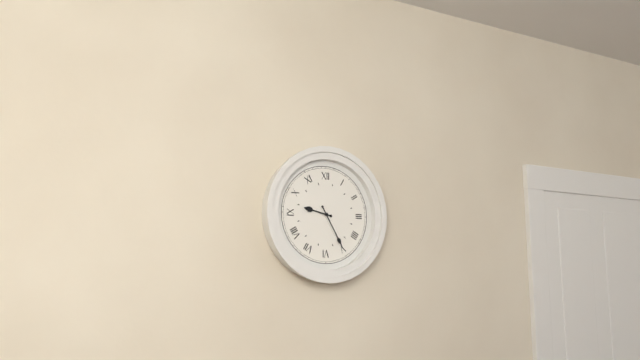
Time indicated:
9 h 25 min
